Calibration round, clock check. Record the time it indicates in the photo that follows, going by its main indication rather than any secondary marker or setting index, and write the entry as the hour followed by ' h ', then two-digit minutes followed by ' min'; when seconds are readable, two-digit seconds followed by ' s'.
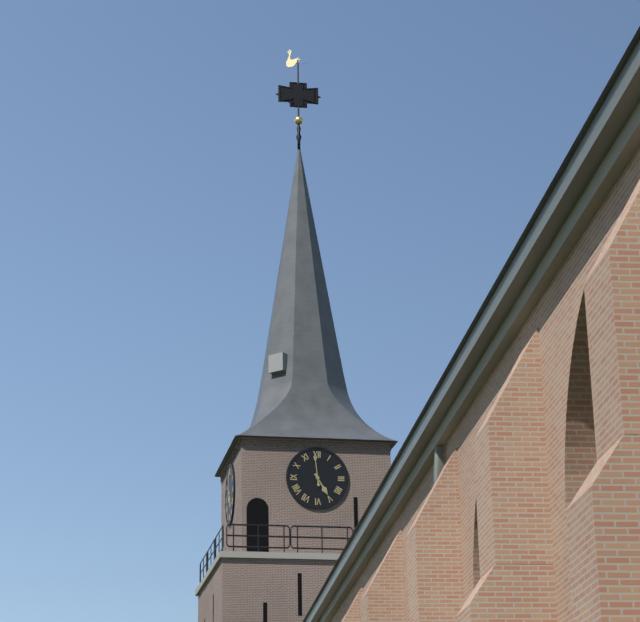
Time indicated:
4 h 59 min
